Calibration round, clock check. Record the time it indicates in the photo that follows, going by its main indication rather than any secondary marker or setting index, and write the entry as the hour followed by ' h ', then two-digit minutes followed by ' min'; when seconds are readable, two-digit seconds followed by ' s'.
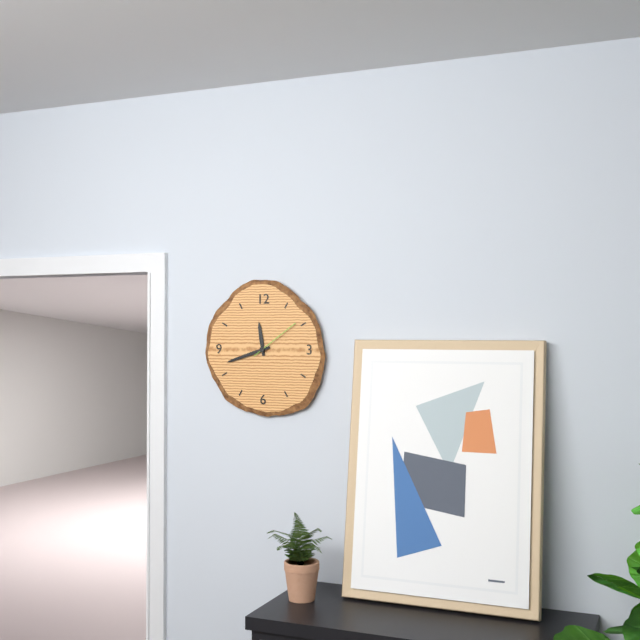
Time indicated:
11 h 42 min
